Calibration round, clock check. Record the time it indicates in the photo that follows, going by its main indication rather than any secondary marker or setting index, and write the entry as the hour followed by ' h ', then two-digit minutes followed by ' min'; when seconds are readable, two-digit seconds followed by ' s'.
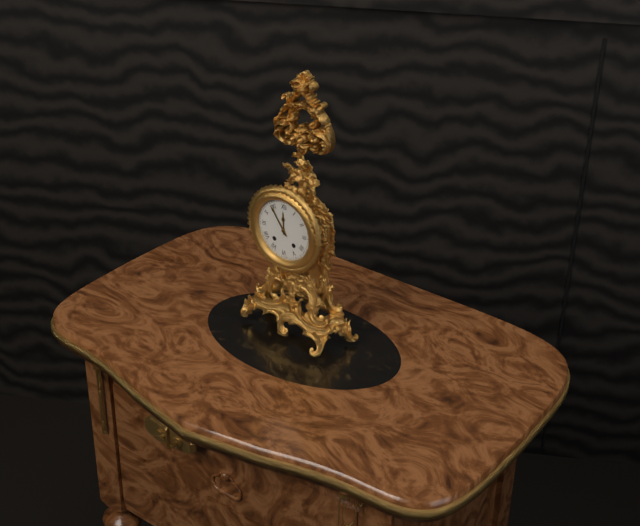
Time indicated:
11 h 54 min
